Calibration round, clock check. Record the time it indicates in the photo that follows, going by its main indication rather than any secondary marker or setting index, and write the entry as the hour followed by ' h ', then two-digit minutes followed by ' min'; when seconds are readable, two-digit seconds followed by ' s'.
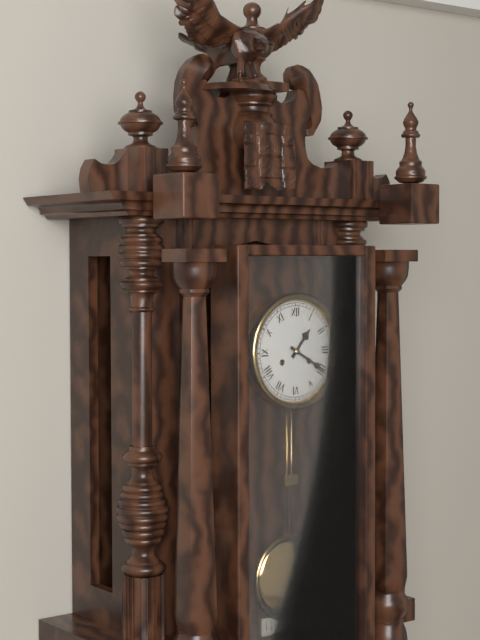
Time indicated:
1 h 20 min
